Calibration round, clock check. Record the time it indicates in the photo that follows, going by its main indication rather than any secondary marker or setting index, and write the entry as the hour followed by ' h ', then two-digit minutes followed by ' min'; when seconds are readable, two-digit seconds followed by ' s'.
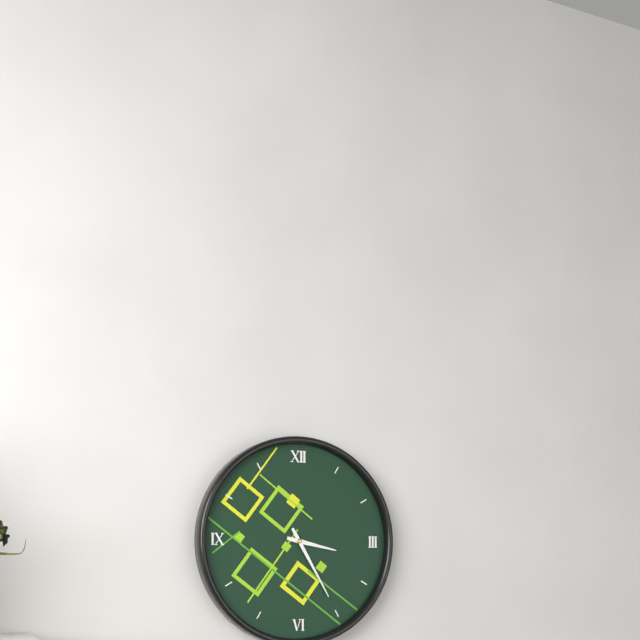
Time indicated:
3 h 25 min
